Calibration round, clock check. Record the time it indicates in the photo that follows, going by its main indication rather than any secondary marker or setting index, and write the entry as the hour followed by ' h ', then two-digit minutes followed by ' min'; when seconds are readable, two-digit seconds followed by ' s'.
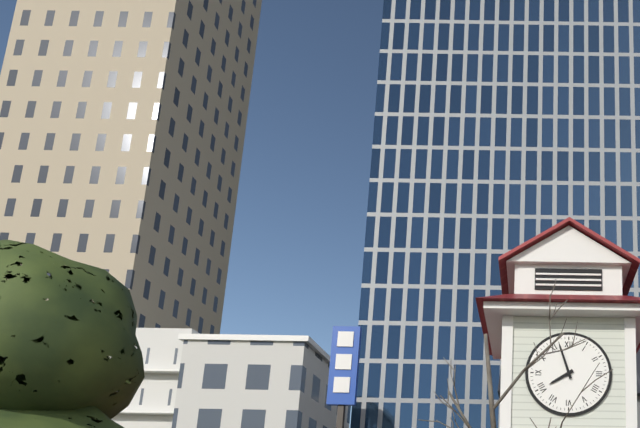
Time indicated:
7 h 57 min
